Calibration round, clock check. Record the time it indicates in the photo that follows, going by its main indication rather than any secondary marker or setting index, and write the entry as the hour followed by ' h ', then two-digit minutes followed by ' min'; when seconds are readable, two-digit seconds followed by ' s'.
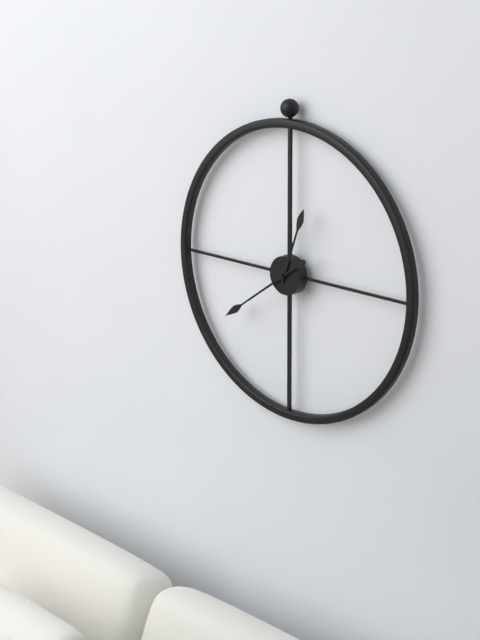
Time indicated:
12 h 39 min
